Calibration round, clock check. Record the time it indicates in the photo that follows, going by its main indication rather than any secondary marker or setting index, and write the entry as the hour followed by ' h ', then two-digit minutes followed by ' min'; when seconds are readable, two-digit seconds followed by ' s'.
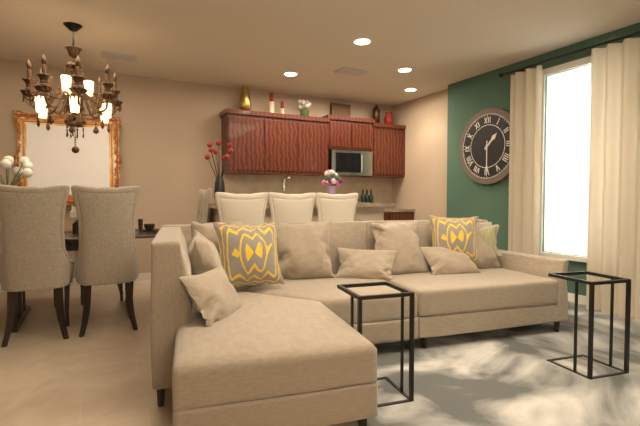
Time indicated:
1 h 30 min
